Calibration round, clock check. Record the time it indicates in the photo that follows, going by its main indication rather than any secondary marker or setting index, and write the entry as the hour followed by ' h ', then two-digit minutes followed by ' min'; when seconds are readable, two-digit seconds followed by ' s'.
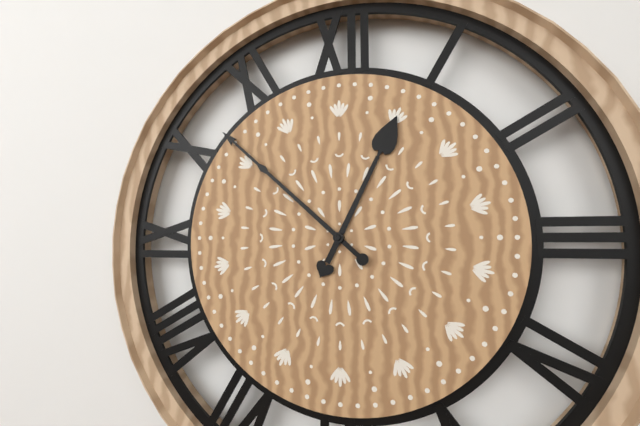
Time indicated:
12 h 52 min
